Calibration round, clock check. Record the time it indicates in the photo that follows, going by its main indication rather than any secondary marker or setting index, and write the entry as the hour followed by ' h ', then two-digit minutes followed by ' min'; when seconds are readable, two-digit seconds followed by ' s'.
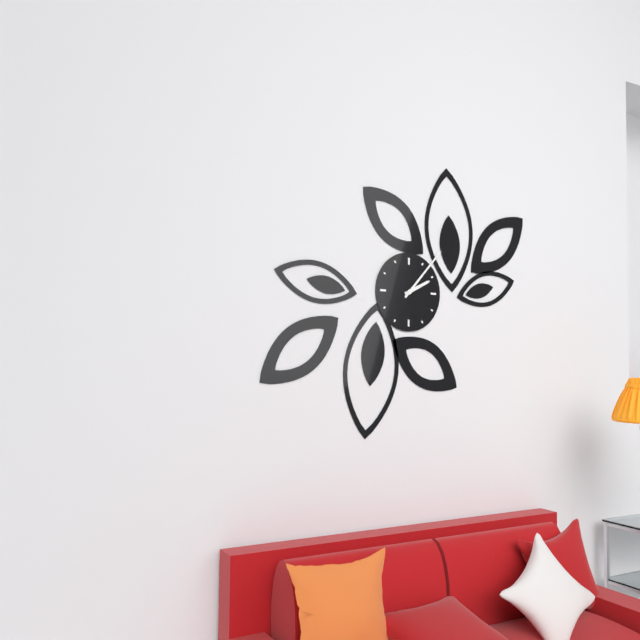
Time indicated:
2 h 07 min
